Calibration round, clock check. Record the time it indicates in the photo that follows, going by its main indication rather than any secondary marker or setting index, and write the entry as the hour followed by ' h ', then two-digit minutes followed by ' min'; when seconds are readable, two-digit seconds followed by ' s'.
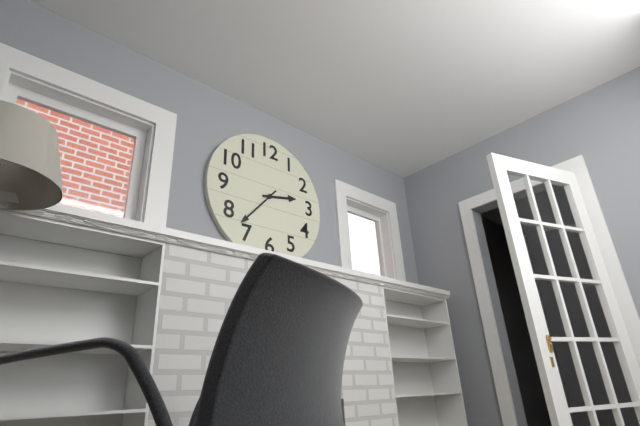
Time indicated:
2 h 37 min
